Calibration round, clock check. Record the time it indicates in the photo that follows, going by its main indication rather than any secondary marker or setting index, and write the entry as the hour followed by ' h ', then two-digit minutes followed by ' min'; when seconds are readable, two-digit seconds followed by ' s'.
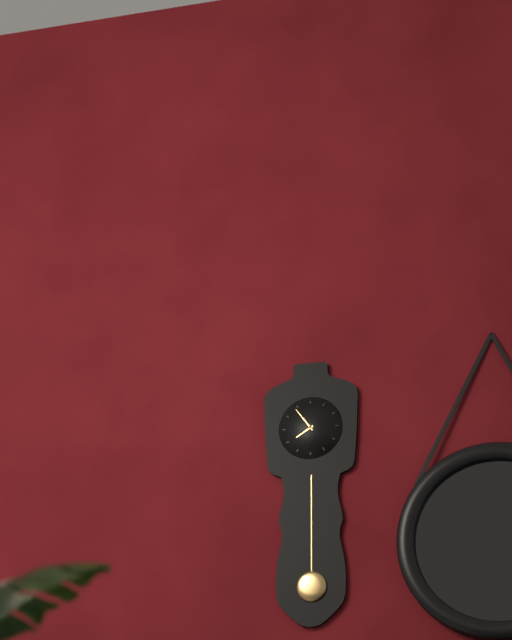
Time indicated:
7 h 54 min
